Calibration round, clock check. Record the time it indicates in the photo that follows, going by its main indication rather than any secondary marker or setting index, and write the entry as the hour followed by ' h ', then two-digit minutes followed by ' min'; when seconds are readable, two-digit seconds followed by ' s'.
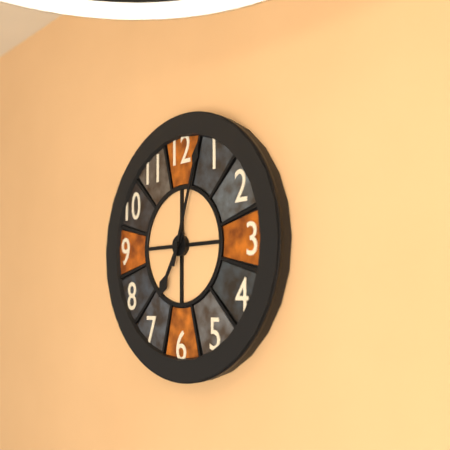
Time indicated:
7 h 03 min
